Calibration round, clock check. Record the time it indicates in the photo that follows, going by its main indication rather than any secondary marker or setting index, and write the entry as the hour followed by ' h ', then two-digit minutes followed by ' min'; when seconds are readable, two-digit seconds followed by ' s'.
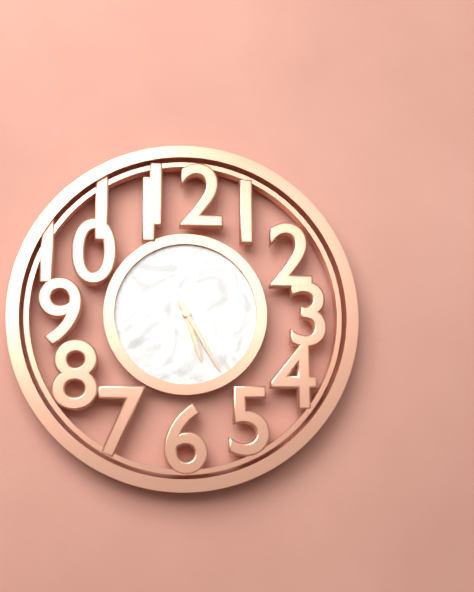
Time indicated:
5 h 25 min
